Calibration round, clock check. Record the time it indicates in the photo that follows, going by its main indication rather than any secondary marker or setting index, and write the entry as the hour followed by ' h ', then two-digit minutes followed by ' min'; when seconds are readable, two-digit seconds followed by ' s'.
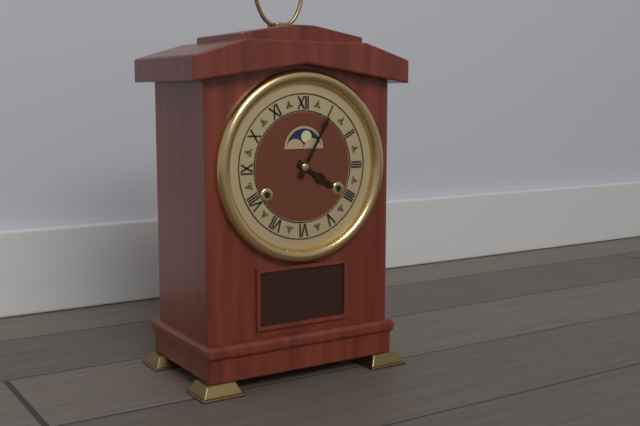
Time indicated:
4 h 05 min
